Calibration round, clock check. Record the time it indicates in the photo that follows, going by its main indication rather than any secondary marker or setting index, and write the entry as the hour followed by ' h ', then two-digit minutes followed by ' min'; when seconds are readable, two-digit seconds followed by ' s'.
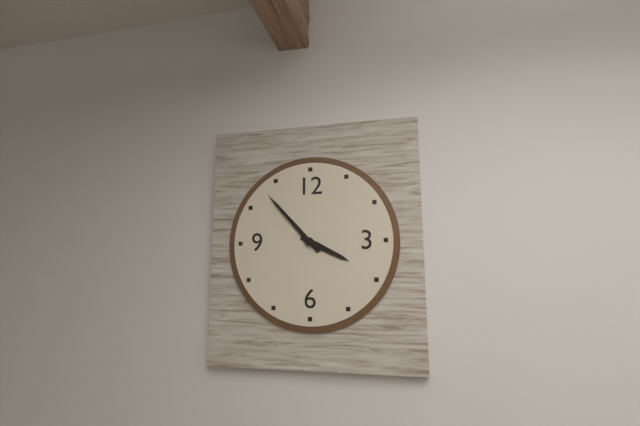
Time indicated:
3 h 53 min
